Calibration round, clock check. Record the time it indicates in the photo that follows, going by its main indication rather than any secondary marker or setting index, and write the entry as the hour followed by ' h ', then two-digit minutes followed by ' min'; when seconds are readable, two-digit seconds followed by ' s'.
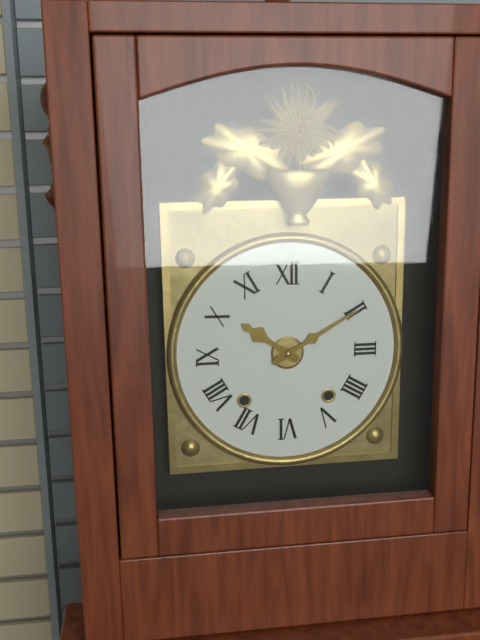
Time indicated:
10 h 10 min
